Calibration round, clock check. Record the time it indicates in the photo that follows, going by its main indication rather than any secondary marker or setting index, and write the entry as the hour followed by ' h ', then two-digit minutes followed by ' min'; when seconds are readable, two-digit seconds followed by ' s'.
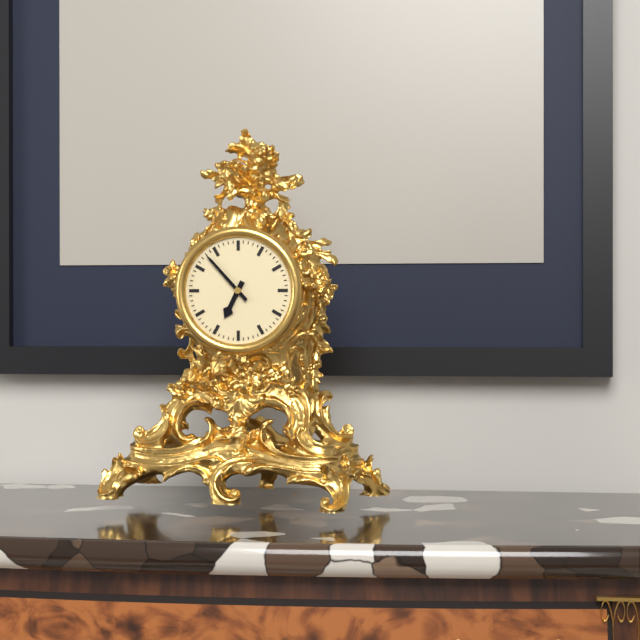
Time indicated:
6 h 53 min
